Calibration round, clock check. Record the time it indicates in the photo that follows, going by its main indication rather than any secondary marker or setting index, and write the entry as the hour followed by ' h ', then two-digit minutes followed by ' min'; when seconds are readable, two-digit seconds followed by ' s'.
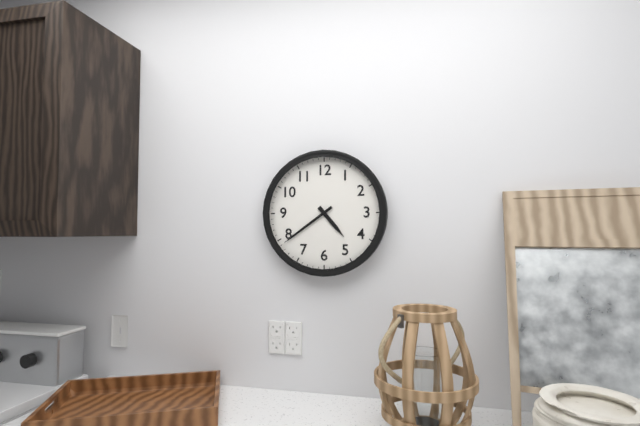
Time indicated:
4 h 39 min
